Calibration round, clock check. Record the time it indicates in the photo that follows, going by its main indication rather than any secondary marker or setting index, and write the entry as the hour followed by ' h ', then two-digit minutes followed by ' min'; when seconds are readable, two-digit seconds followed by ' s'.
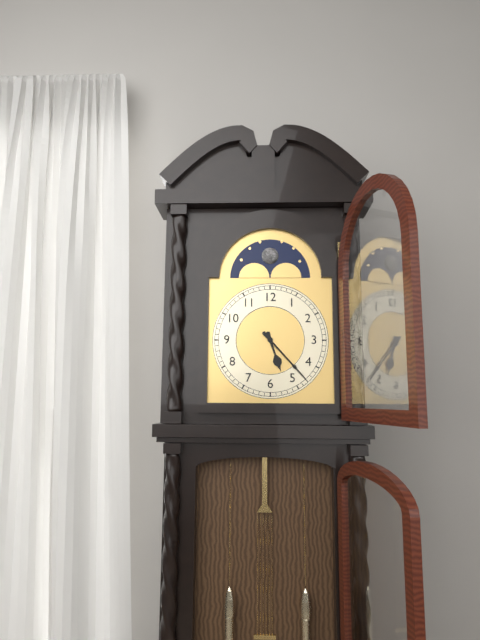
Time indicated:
5 h 23 min
